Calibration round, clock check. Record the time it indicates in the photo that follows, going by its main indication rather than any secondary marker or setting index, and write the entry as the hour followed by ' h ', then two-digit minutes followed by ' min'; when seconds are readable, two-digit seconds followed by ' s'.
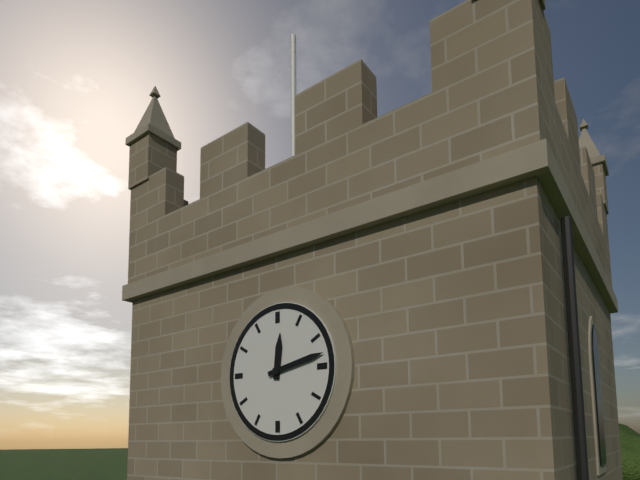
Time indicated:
12 h 13 min
